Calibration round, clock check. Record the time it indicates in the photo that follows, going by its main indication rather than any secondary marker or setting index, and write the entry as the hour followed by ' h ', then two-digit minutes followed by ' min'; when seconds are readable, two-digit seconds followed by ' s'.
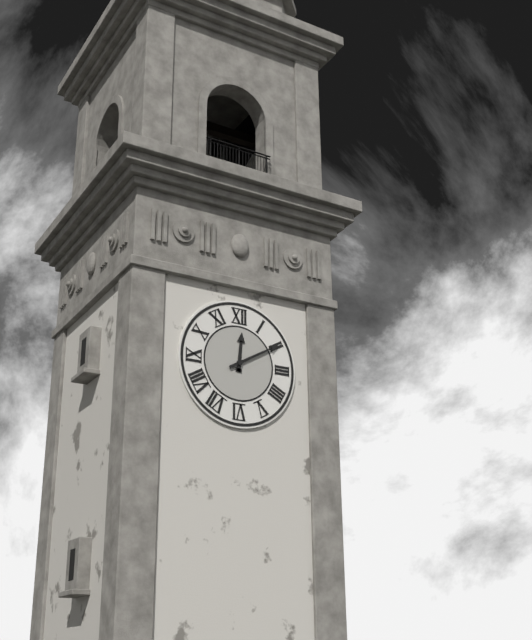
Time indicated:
12 h 10 min
